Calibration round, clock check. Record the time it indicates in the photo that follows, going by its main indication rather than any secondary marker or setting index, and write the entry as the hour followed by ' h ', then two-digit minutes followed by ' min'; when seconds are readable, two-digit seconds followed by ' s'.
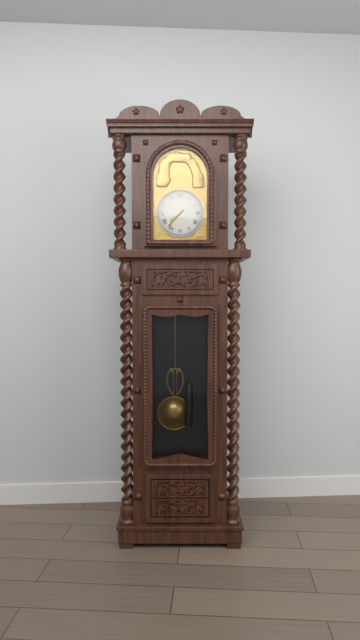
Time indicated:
7 h 37 min
